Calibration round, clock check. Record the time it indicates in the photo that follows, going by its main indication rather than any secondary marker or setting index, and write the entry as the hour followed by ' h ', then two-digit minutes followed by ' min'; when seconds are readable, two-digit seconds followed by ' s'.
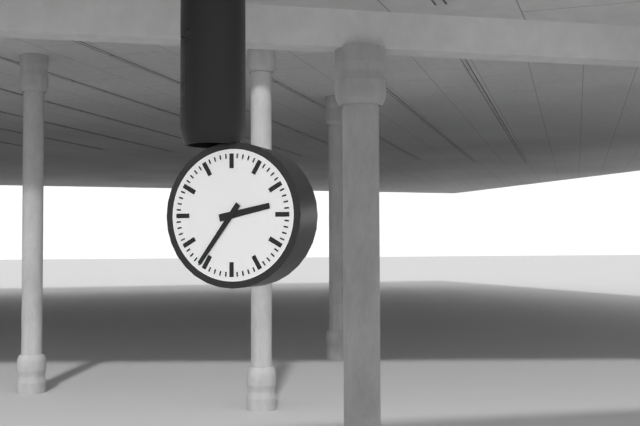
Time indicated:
2 h 36 min
